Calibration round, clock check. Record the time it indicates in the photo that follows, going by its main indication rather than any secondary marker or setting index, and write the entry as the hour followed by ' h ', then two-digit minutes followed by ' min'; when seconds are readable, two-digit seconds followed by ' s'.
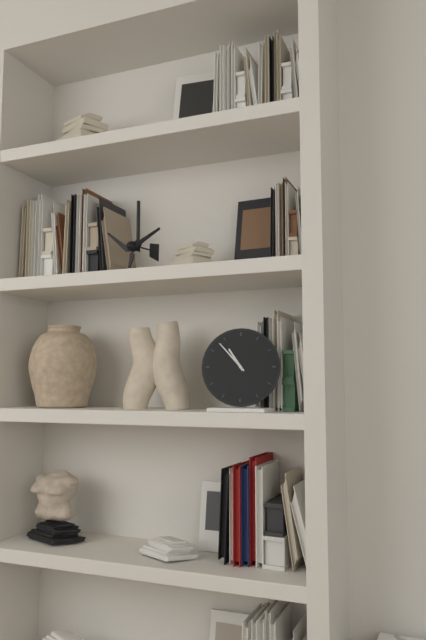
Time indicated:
10 h 53 min
